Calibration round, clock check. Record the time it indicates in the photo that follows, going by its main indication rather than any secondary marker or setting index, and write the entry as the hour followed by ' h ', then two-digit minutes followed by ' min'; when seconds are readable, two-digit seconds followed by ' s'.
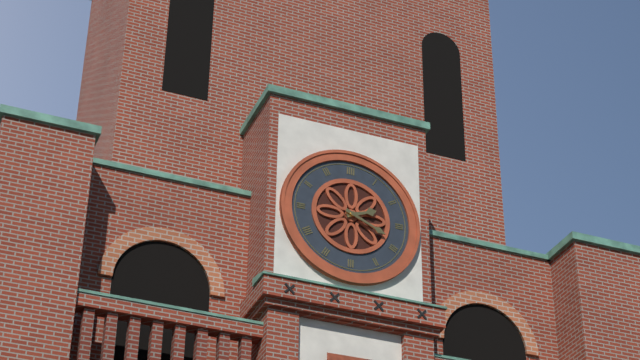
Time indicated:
2 h 19 min
